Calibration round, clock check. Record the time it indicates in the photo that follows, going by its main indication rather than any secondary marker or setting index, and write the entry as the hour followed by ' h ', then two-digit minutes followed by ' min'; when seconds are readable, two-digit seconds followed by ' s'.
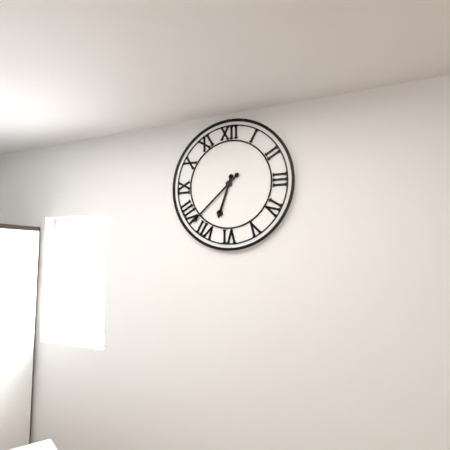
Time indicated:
6 h 38 min
